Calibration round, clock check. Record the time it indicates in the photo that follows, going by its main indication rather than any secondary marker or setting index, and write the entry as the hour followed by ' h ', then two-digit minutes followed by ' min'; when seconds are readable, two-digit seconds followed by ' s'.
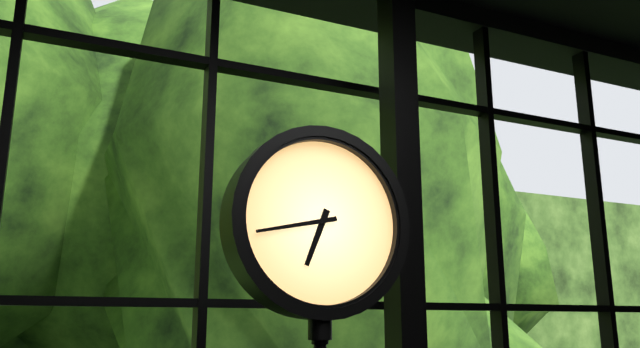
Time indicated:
6 h 43 min
